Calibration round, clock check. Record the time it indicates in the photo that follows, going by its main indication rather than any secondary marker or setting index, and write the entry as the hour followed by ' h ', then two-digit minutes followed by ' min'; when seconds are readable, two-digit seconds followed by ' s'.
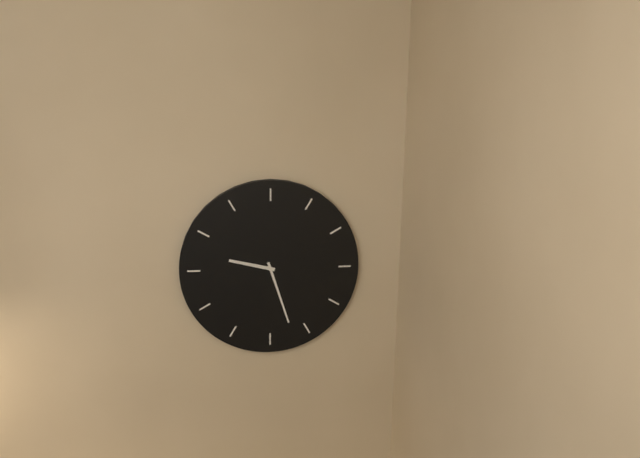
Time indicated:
9 h 27 min
